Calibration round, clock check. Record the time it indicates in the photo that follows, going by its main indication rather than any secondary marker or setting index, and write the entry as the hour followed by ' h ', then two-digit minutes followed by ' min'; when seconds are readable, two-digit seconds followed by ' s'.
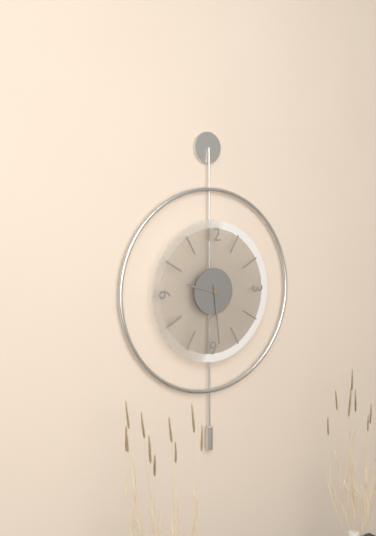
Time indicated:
9 h 29 min
